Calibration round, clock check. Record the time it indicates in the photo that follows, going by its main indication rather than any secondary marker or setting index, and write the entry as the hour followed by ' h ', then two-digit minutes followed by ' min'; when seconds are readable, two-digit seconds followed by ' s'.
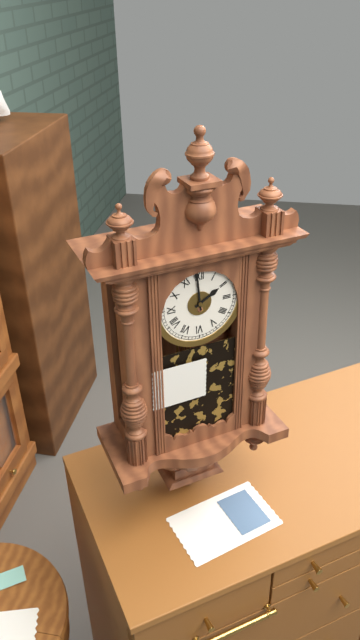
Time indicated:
1 h 59 min
